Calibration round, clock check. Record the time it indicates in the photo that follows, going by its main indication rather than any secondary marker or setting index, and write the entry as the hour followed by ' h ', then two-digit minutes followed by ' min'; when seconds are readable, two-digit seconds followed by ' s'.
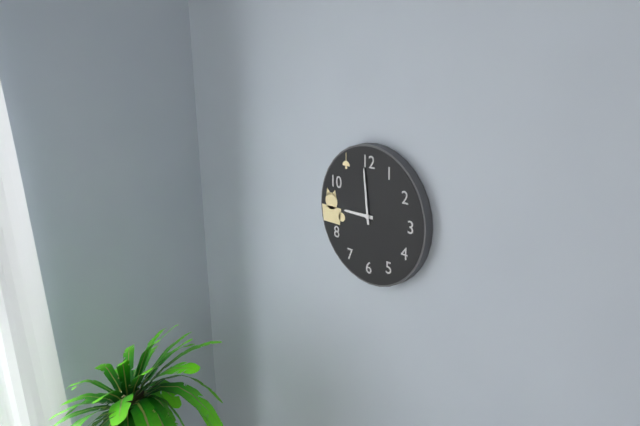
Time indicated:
8 h 59 min
